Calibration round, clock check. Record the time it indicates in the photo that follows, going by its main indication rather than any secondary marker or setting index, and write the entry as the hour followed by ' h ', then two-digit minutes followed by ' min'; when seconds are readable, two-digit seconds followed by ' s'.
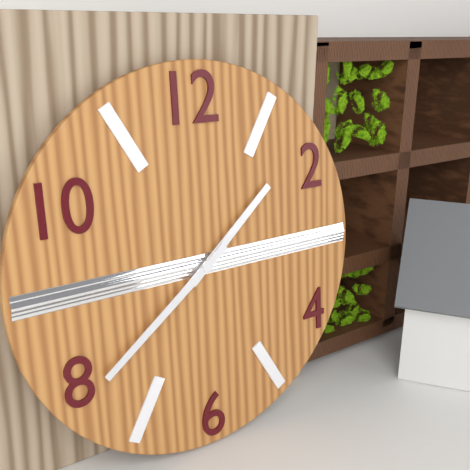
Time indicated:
1 h 39 min
